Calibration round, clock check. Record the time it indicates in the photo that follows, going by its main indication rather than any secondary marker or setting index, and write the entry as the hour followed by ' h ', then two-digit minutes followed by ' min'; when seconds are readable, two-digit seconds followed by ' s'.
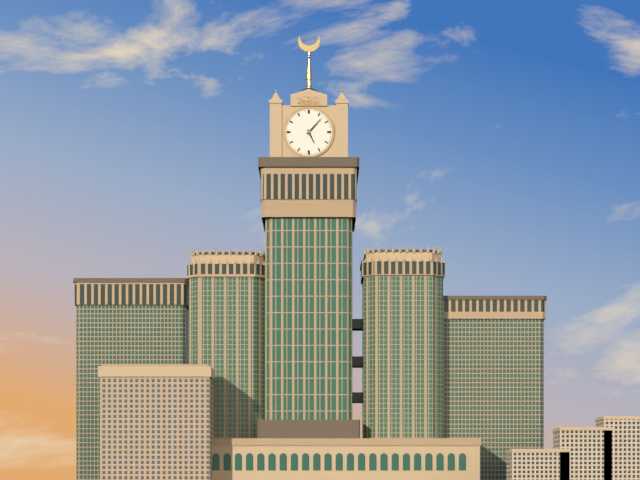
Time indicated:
5 h 07 min
